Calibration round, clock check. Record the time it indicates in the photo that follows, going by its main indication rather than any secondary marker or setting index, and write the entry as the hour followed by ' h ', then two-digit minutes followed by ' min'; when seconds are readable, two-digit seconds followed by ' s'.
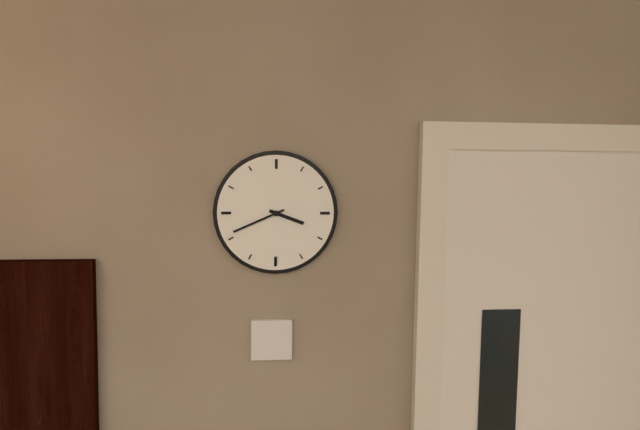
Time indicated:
3 h 41 min
